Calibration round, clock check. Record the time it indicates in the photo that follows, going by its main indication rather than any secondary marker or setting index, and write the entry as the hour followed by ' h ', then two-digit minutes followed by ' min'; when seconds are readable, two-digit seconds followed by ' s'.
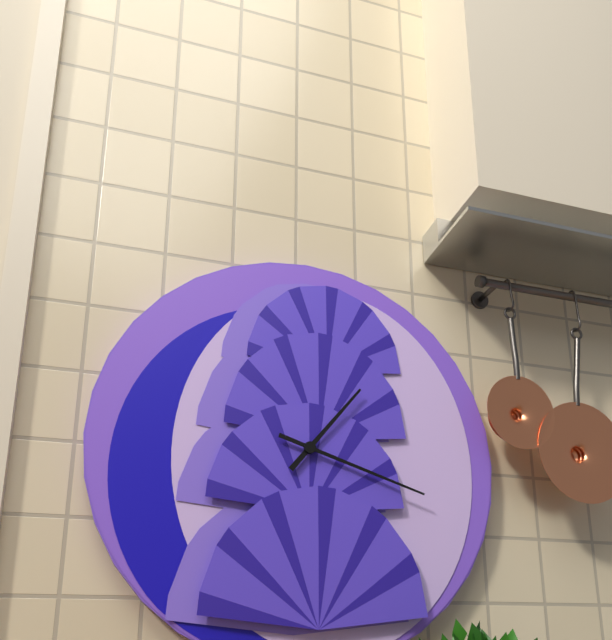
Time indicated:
1 h 18 min
